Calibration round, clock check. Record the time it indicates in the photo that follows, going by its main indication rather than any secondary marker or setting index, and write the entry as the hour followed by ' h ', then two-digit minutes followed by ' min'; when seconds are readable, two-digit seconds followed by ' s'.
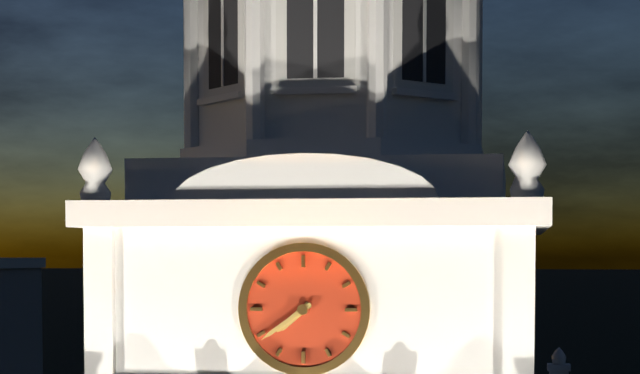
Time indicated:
7 h 39 min
